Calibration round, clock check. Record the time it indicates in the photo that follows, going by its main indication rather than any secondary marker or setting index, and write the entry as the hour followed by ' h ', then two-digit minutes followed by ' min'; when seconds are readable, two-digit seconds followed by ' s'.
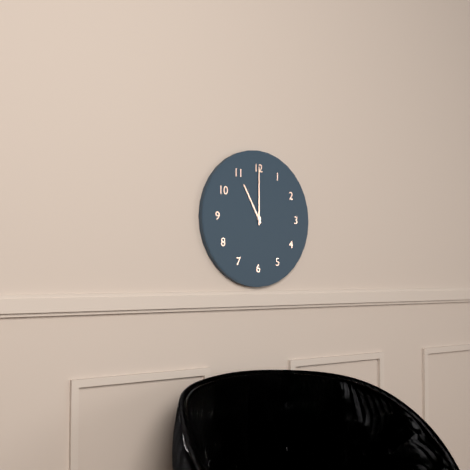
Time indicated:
11 h 00 min
